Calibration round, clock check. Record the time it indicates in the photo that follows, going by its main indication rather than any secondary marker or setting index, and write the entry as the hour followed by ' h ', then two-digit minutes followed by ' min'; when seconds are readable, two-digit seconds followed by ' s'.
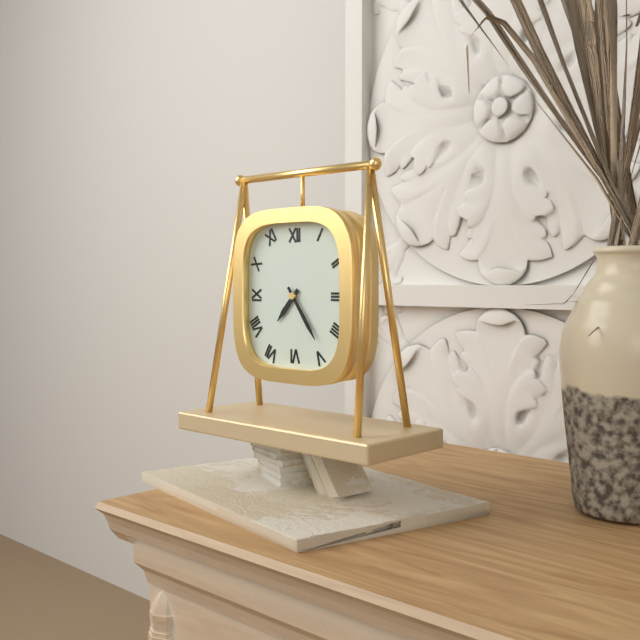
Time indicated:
7 h 24 min
